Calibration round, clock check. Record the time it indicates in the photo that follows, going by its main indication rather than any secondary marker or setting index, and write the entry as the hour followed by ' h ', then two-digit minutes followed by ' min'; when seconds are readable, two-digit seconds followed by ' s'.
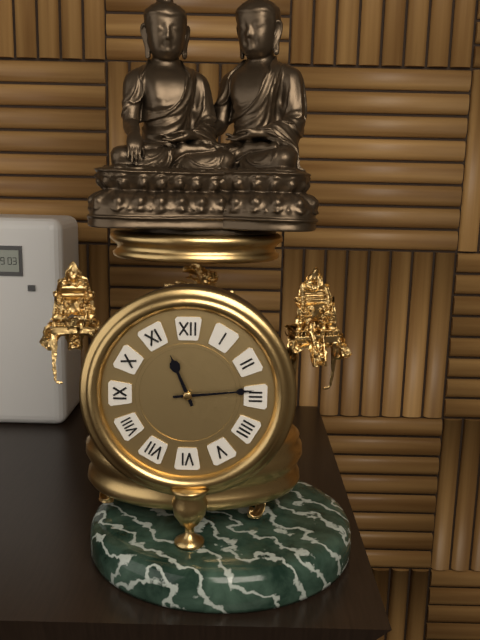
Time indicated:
11 h 14 min
